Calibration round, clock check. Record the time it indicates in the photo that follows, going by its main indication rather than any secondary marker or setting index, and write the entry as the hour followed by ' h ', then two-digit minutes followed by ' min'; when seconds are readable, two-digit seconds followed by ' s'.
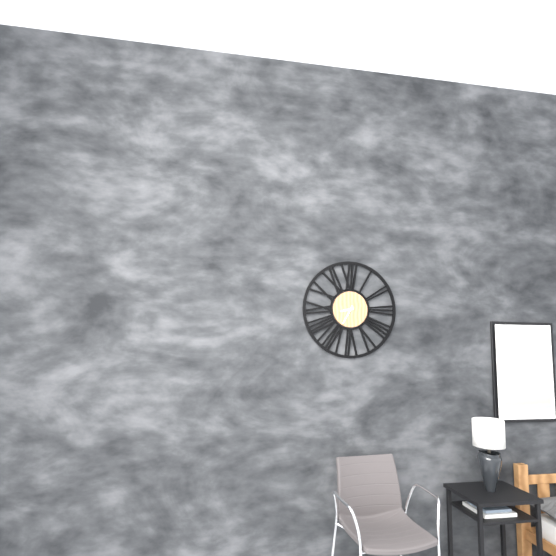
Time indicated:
8 h 35 min
